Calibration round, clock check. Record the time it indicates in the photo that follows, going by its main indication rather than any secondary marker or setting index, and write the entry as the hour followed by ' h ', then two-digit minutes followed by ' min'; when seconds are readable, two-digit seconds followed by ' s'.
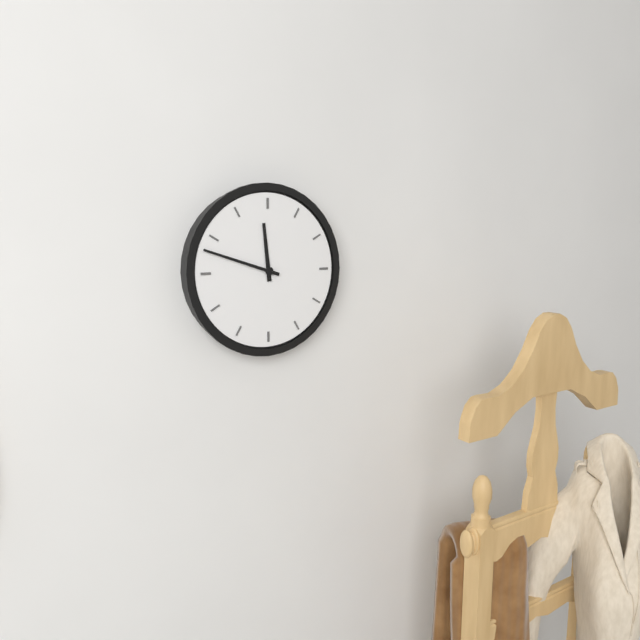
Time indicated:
11 h 48 min
